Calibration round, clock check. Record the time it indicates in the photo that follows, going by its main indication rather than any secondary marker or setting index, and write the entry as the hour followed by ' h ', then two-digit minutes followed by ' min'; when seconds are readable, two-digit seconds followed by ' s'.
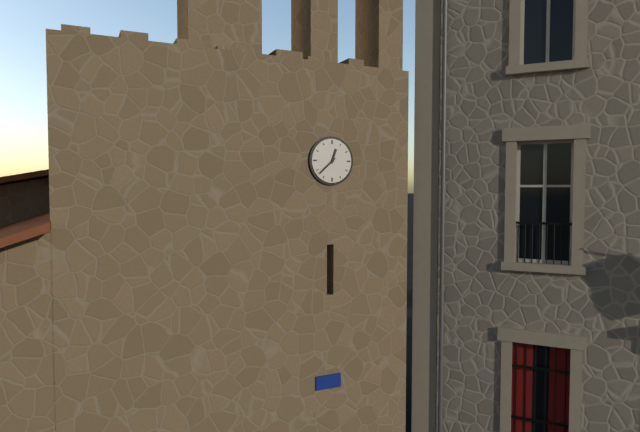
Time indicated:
12 h 38 min
